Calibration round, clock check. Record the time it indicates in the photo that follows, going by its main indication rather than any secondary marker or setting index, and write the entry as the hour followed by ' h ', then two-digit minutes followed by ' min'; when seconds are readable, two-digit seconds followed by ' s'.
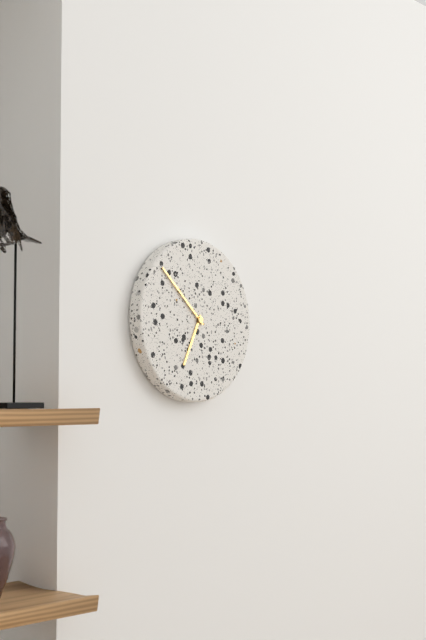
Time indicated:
6 h 52 min
